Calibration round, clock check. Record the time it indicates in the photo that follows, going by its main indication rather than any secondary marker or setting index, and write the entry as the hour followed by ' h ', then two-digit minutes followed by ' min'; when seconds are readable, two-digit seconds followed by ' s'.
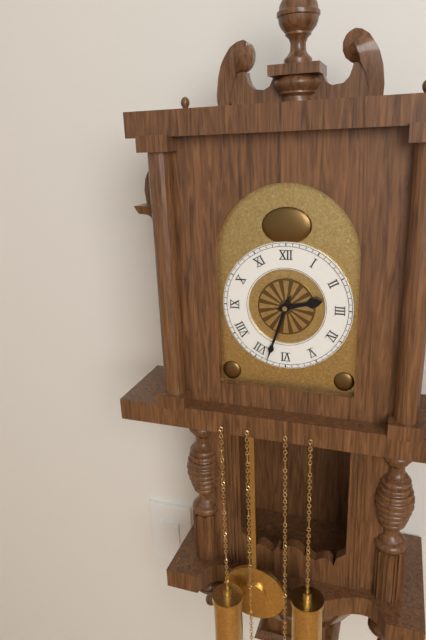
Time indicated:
2 h 33 min
